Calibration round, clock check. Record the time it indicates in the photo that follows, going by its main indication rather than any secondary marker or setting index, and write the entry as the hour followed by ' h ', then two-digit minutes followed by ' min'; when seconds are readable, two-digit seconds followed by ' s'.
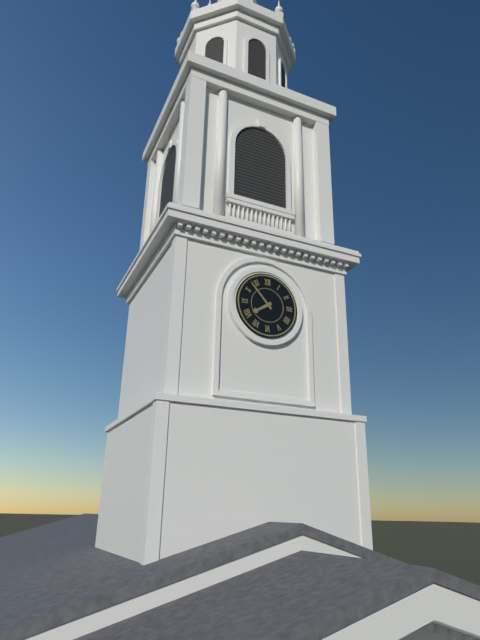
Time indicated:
7 h 53 min
